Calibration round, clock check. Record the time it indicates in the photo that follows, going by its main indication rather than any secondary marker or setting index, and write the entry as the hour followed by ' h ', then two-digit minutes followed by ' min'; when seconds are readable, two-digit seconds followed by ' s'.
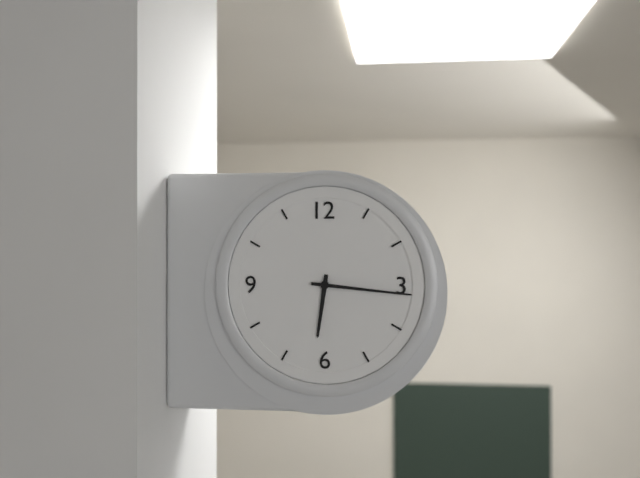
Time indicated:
6 h 16 min
